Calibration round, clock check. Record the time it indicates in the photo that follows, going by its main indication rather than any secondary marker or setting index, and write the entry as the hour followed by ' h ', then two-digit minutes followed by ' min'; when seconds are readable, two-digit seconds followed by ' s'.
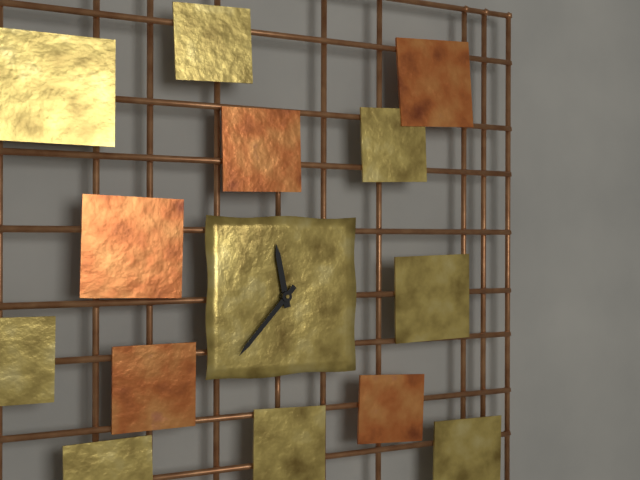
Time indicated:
11 h 37 min
